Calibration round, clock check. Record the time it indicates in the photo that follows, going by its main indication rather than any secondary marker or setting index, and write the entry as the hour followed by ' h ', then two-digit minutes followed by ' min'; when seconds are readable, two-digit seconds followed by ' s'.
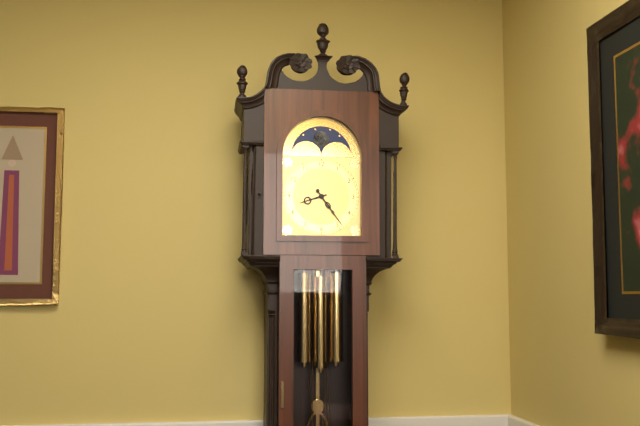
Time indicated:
8 h 24 min
